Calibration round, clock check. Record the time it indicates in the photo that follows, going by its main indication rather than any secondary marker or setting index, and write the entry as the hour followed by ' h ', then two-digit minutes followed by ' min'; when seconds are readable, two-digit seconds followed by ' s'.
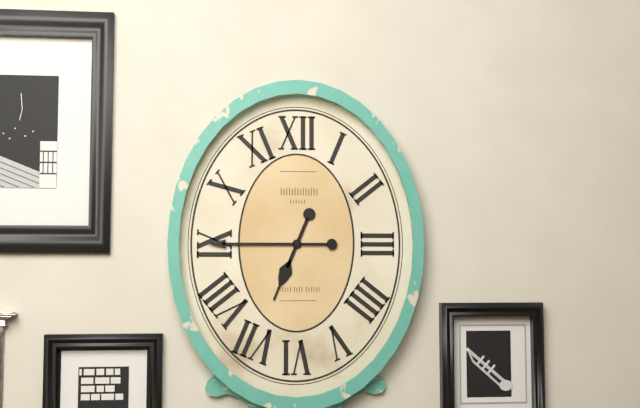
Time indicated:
6 h 45 min
